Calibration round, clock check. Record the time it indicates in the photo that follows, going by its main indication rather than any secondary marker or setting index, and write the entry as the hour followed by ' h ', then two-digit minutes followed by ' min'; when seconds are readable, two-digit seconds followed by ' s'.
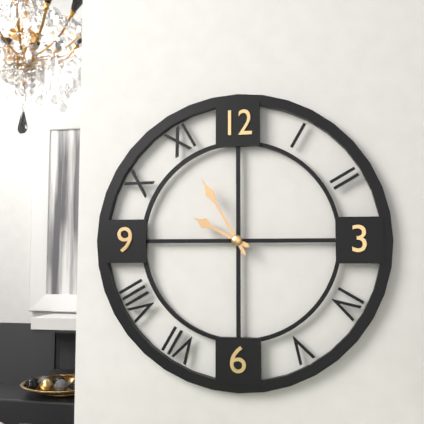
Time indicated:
9 h 55 min
